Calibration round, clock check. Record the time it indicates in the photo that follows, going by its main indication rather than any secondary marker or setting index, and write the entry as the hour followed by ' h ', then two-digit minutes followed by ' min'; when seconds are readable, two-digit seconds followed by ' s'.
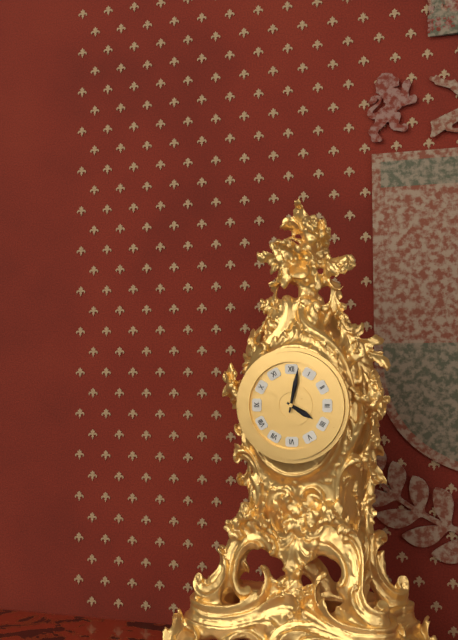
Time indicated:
4 h 02 min
